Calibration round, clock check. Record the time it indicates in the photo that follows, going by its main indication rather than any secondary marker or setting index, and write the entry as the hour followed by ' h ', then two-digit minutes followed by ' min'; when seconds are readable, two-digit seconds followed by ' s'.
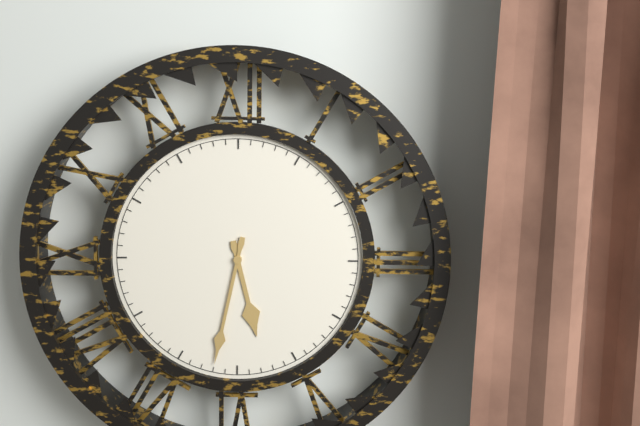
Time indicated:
5 h 32 min
